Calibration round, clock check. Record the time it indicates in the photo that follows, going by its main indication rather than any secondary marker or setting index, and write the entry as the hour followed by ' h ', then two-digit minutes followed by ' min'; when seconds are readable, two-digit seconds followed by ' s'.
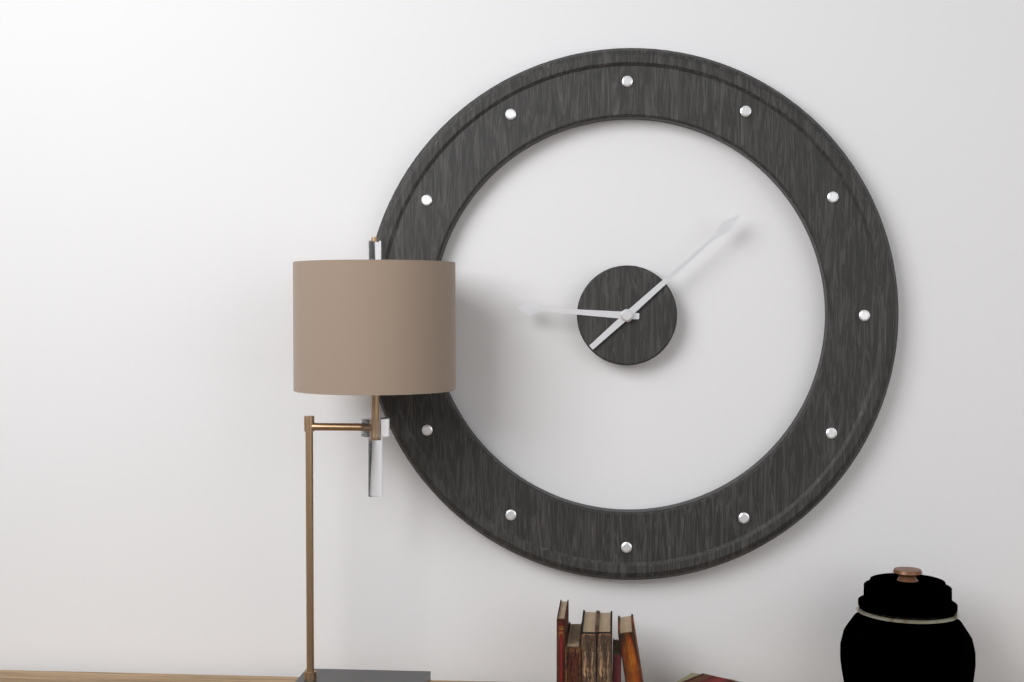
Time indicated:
9 h 08 min
